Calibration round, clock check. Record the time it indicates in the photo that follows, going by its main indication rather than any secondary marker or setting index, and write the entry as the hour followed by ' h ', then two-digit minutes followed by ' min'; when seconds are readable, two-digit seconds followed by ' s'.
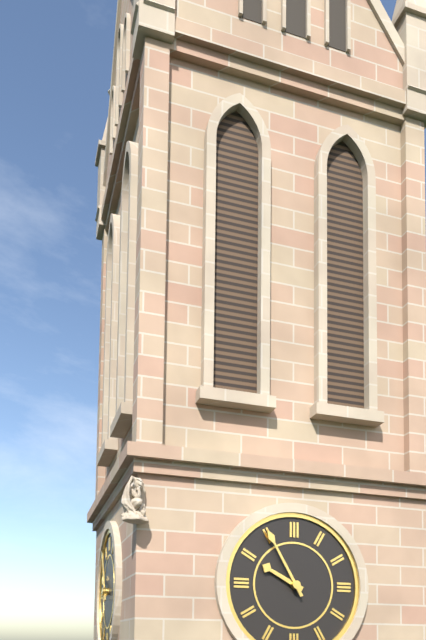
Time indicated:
9 h 55 min
